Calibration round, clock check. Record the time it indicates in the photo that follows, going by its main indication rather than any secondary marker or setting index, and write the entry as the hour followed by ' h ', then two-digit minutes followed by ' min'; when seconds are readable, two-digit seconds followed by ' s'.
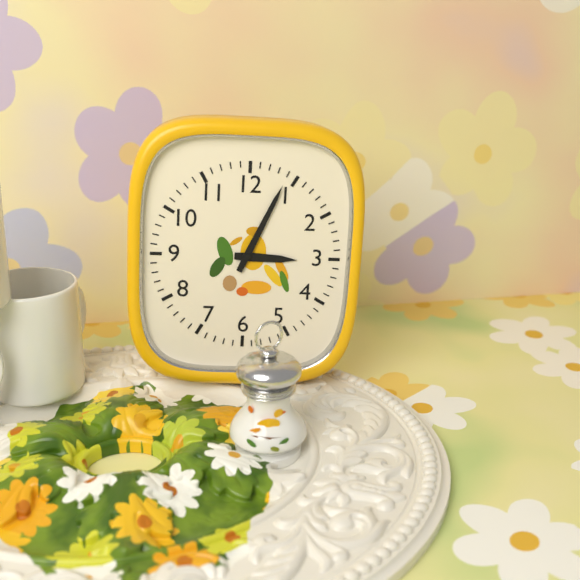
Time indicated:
3 h 04 min
